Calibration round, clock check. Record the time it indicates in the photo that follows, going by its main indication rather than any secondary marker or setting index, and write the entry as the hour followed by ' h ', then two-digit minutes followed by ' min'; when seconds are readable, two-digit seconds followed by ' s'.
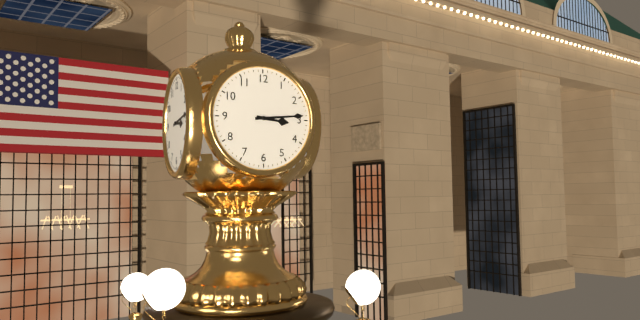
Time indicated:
3 h 14 min
